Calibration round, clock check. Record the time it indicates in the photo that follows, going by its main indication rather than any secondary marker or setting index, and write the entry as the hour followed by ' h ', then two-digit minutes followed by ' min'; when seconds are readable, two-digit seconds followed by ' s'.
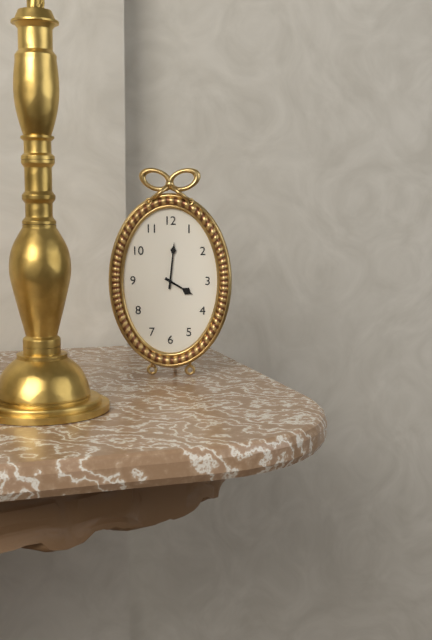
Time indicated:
4 h 01 min
